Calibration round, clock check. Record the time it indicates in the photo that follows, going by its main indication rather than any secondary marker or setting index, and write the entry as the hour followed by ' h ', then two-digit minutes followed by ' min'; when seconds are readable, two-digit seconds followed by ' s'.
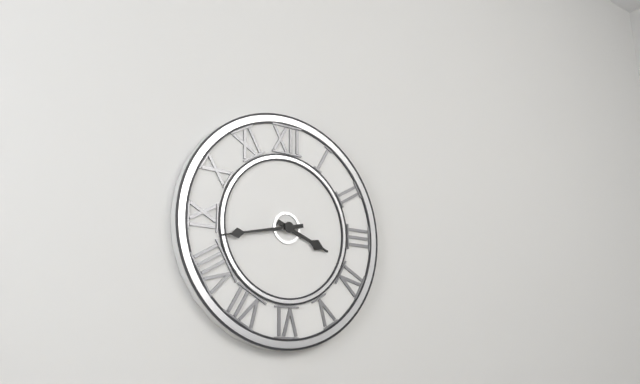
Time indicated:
3 h 43 min
